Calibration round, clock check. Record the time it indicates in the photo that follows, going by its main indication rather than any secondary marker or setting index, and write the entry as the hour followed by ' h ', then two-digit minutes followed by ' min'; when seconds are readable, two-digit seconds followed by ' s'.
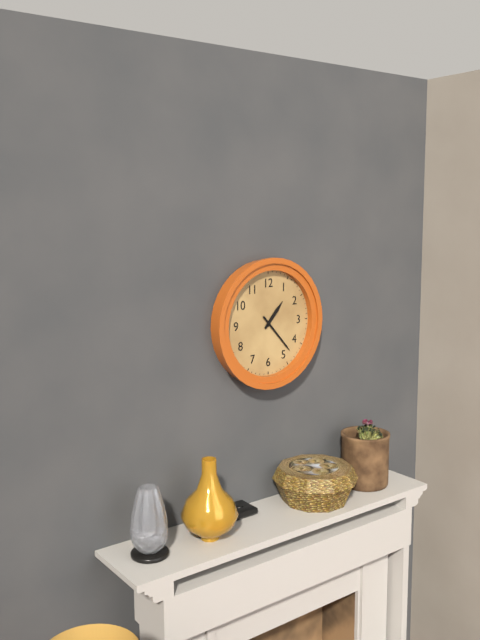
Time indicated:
1 h 23 min
